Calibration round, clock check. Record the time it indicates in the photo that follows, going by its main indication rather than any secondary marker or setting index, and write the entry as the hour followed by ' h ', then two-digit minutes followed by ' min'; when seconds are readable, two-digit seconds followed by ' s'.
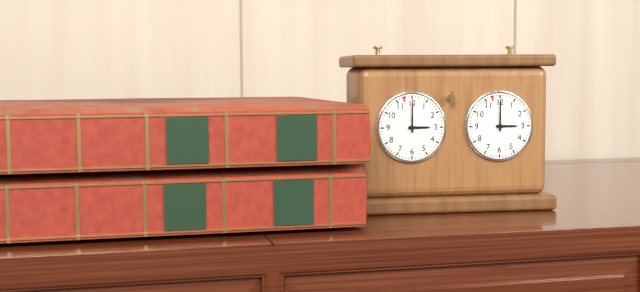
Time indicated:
3 h 00 min
